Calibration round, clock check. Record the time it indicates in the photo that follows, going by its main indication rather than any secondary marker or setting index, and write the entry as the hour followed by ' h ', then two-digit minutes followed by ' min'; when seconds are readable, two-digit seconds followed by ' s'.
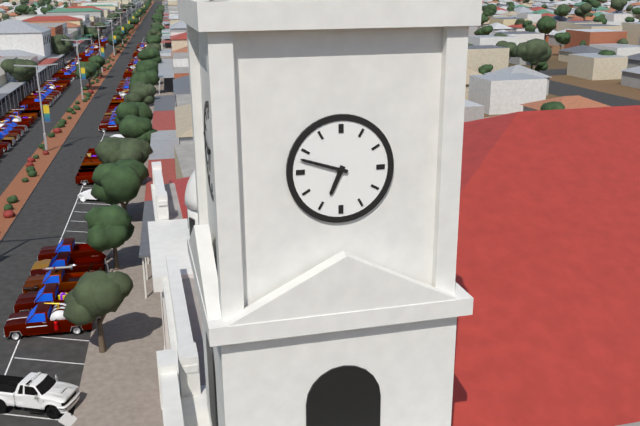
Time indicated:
6 h 48 min
